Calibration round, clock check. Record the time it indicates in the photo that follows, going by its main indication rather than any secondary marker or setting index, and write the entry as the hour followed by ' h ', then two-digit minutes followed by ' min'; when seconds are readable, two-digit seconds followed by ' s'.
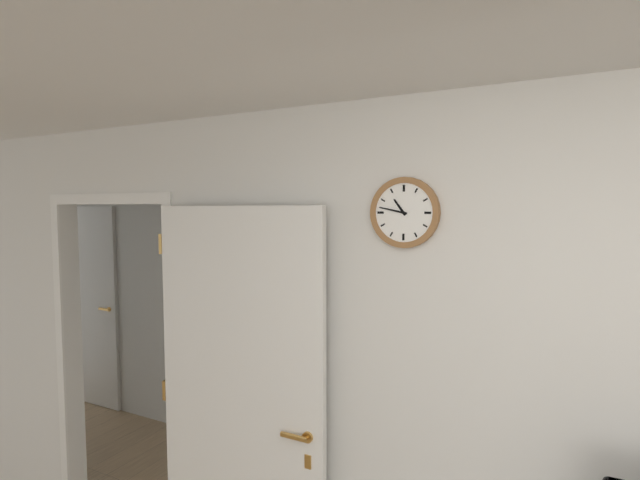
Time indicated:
10 h 47 min
